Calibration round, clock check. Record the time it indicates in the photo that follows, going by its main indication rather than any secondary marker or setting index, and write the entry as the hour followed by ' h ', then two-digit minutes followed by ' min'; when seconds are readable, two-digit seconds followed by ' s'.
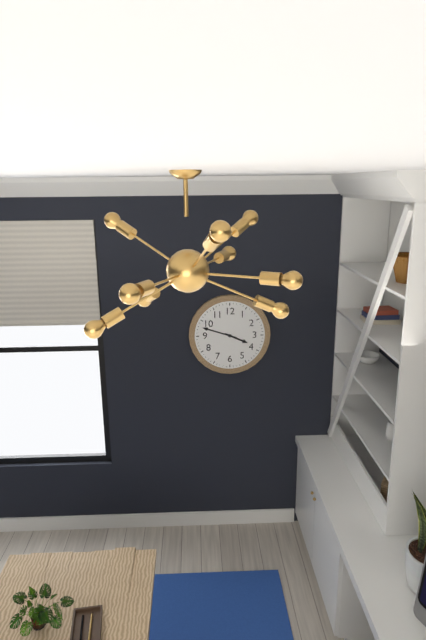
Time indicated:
3 h 48 min
